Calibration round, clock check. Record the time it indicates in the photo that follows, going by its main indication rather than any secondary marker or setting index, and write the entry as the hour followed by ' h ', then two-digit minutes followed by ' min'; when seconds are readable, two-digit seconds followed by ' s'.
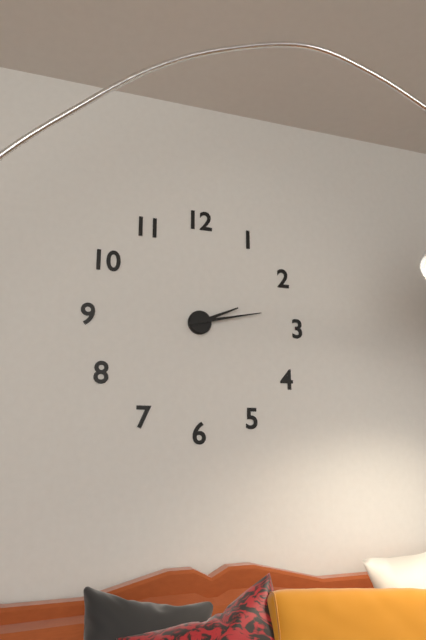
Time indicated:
2 h 13 min
